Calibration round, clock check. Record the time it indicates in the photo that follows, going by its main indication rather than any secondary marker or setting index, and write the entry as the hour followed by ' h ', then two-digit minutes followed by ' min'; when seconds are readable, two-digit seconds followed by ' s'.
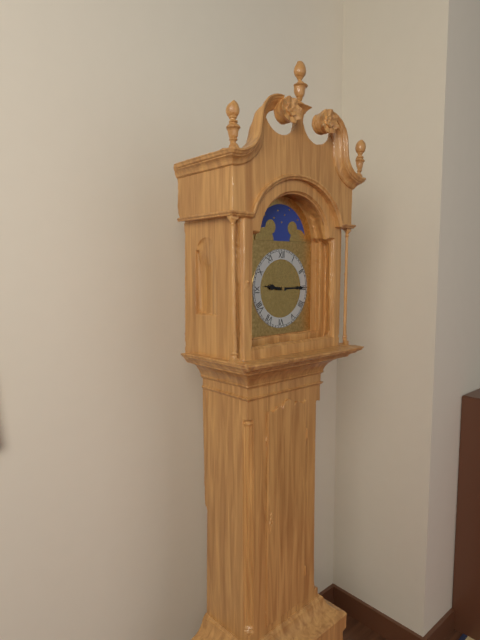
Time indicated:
9 h 15 min
